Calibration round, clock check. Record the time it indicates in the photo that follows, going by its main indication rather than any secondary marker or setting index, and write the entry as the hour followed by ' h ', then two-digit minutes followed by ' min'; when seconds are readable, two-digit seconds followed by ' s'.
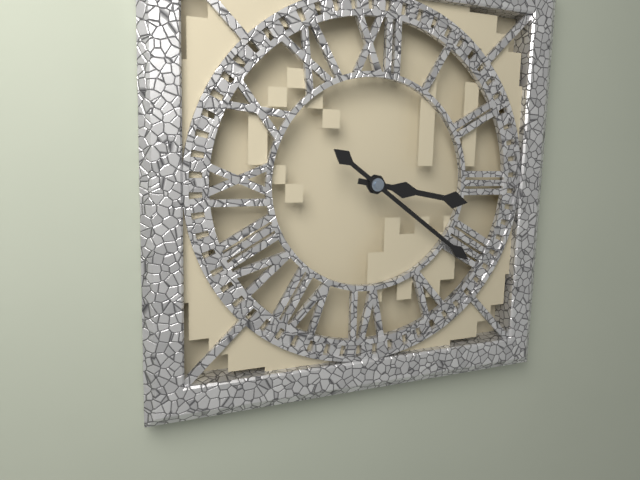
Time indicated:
3 h 21 min
